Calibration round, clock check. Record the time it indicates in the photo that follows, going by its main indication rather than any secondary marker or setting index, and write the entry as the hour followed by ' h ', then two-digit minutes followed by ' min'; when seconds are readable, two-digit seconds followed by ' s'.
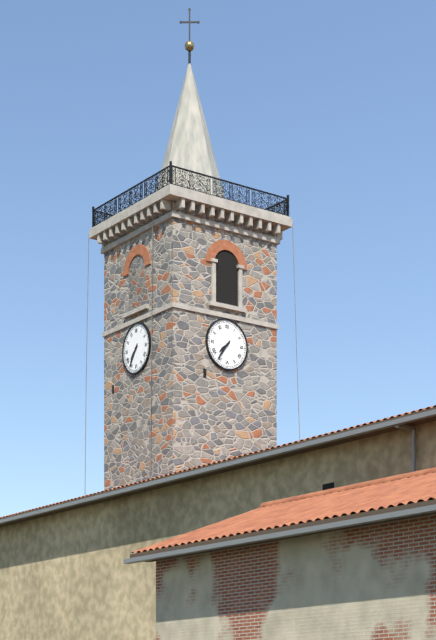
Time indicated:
7 h 36 min
